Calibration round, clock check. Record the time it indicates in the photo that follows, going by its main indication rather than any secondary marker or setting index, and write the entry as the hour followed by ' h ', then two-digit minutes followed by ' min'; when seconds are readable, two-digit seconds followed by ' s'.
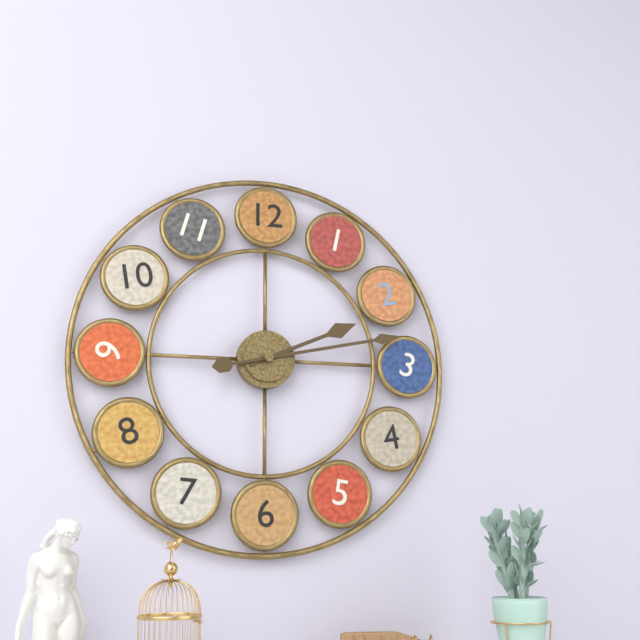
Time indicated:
2 h 13 min
